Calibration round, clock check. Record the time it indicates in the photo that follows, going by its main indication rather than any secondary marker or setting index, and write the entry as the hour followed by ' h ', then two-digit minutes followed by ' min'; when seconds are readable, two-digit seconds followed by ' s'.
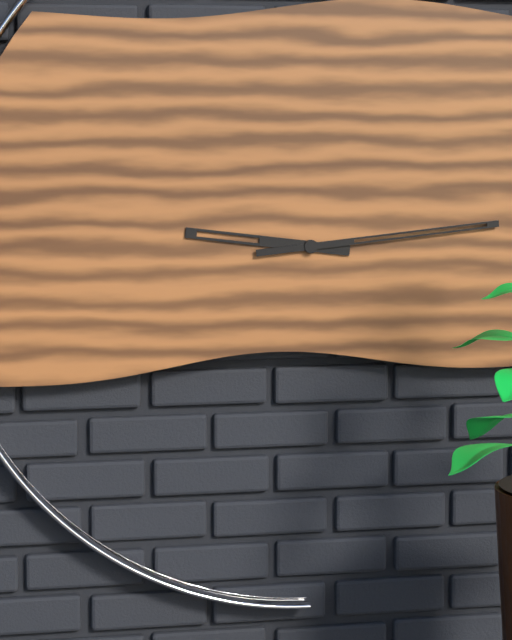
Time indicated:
9 h 14 min
